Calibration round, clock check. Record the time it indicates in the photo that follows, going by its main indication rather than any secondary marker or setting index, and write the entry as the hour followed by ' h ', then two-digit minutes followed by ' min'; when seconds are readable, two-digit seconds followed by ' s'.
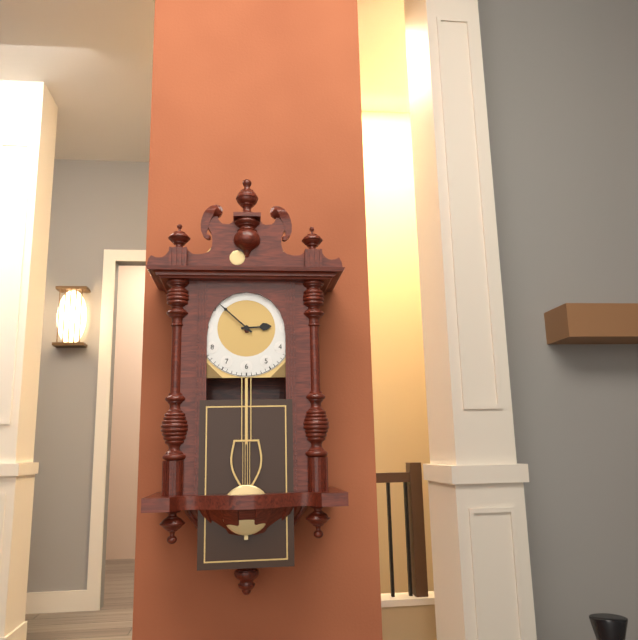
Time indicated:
2 h 52 min
